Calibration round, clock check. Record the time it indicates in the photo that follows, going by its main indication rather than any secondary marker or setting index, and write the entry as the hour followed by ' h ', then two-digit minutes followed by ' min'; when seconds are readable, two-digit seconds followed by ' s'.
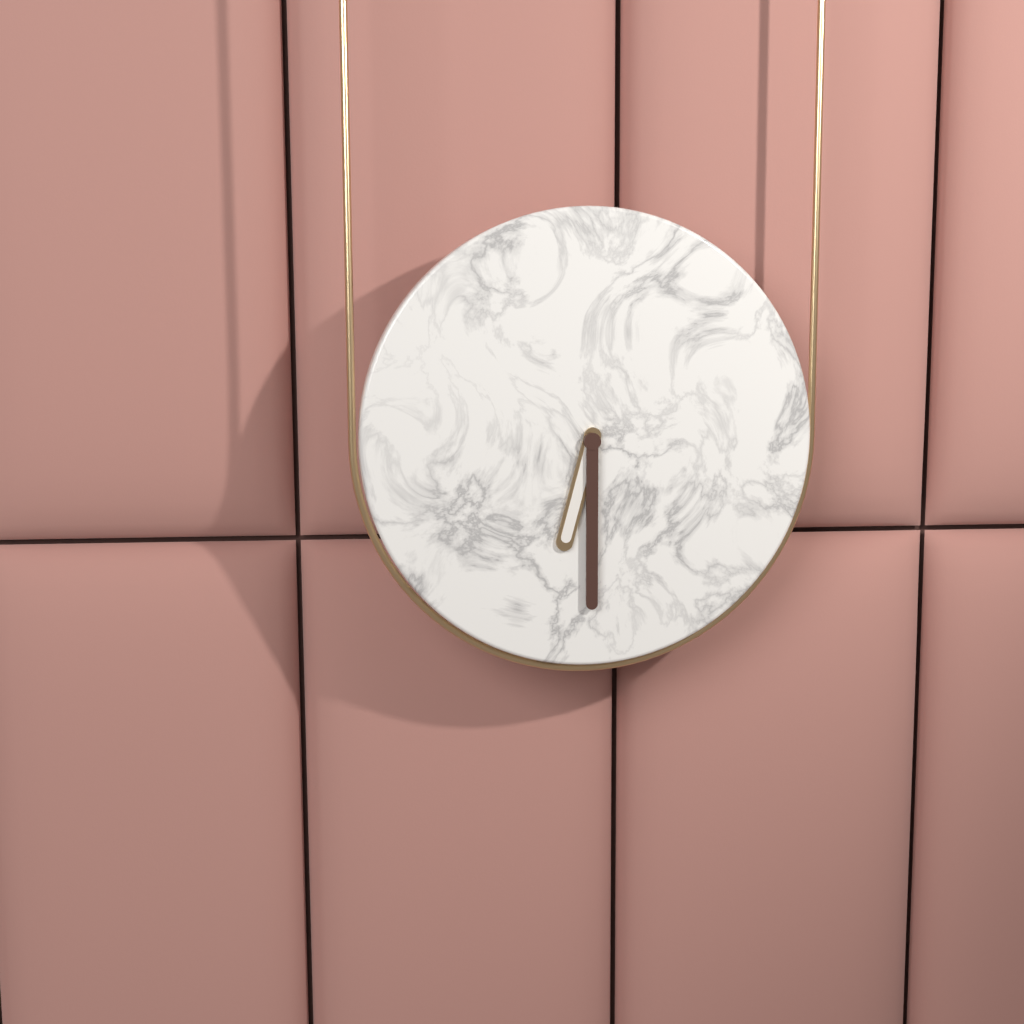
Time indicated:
6 h 30 min
